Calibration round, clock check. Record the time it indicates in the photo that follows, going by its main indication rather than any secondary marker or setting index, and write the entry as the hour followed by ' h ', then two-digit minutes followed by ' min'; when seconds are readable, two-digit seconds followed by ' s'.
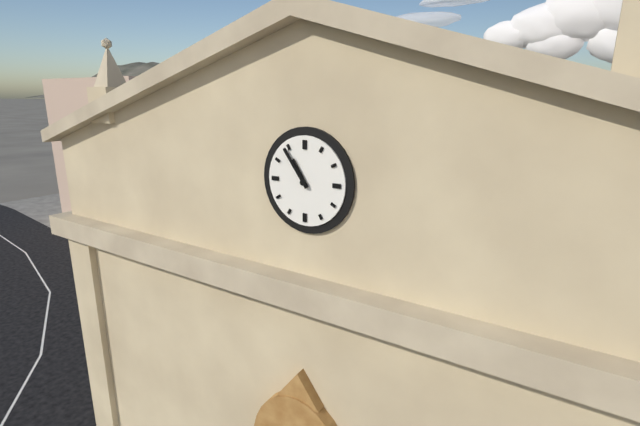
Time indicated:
10 h 54 min
